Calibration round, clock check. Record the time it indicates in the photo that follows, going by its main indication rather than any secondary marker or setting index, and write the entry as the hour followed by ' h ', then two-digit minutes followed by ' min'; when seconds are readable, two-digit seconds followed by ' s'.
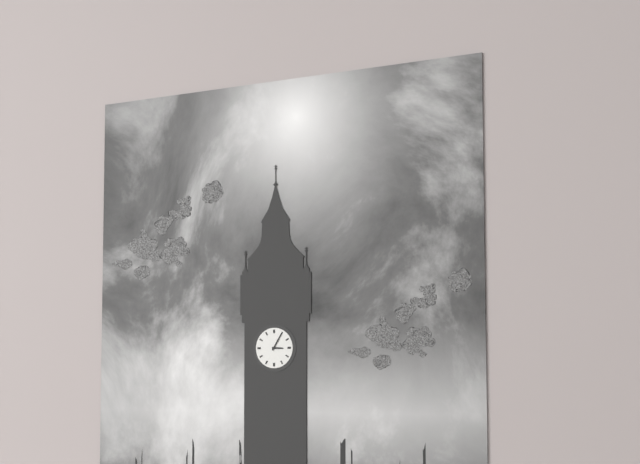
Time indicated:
3 h 05 min
